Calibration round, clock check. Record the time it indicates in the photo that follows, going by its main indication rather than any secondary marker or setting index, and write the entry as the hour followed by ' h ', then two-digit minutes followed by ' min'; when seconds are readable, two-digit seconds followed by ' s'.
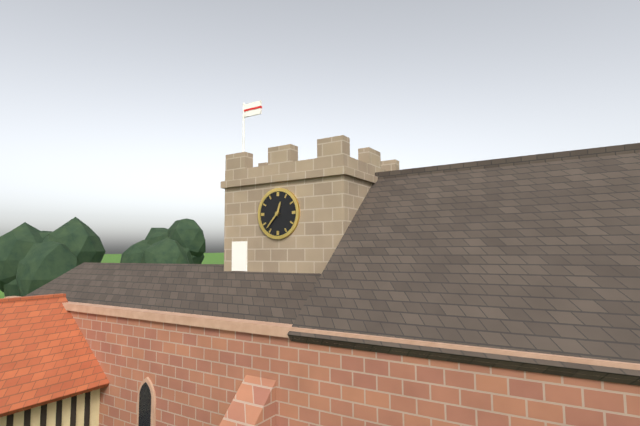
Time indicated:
12 h 37 min
